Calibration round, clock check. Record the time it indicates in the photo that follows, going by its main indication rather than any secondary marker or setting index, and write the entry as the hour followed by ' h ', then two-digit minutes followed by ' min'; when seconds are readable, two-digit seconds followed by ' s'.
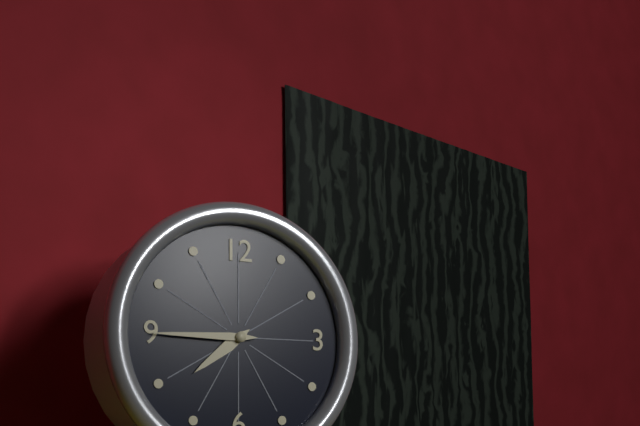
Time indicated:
7 h 45 min
